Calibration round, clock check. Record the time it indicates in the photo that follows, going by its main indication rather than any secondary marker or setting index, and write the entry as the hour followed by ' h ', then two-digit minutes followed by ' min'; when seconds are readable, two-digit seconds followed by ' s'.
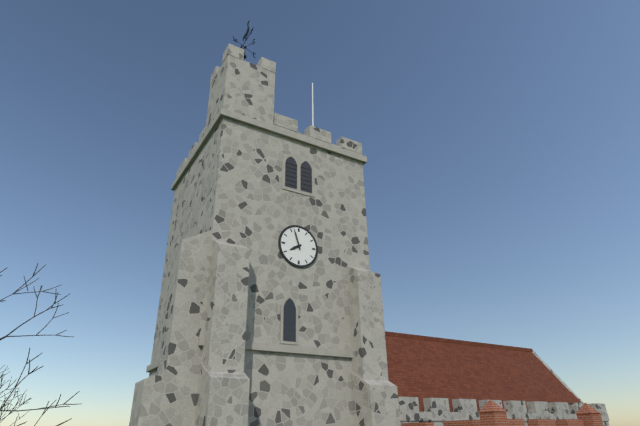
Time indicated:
7 h 57 min
